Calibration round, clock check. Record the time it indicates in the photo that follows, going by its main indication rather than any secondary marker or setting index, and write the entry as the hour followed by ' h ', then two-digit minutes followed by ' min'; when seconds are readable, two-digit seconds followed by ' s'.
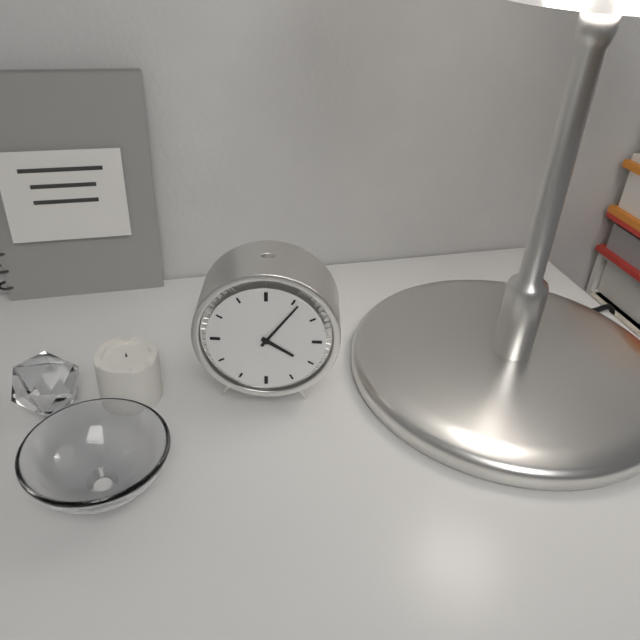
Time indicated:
4 h 06 min
